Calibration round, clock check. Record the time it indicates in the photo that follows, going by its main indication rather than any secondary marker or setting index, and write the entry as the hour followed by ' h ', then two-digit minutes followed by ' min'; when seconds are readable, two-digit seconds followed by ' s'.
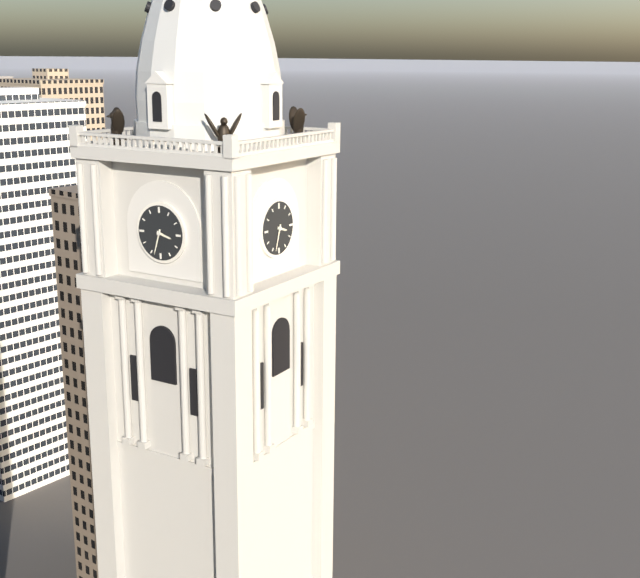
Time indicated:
3 h 33 min
